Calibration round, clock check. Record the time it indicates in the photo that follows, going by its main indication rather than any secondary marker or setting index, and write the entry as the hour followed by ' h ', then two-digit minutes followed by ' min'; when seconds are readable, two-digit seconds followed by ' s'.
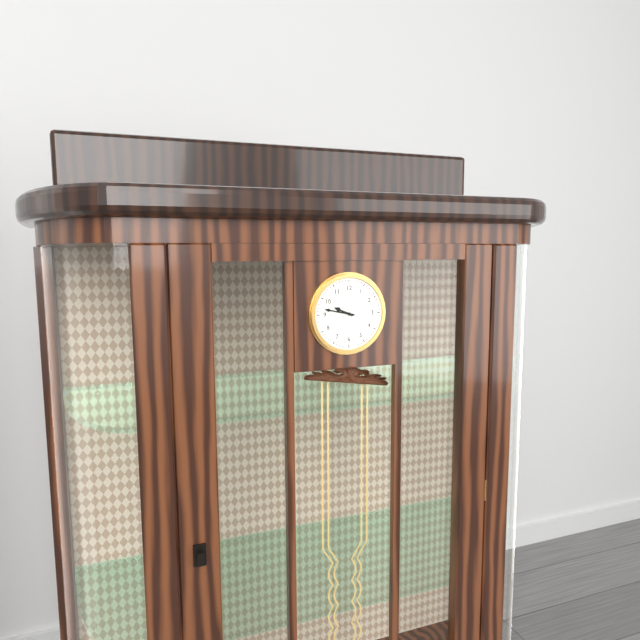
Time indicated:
9 h 47 min
